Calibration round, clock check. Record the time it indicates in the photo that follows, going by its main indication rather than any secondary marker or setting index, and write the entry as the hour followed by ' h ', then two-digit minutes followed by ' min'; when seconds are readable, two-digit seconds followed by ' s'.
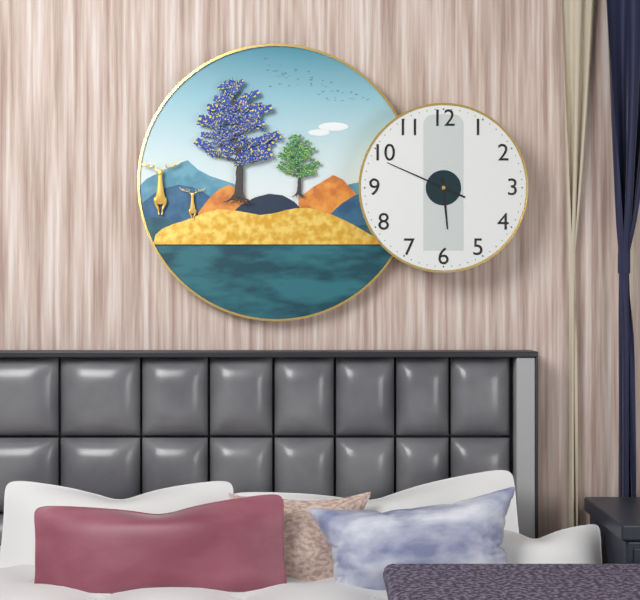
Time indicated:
5 h 49 min
